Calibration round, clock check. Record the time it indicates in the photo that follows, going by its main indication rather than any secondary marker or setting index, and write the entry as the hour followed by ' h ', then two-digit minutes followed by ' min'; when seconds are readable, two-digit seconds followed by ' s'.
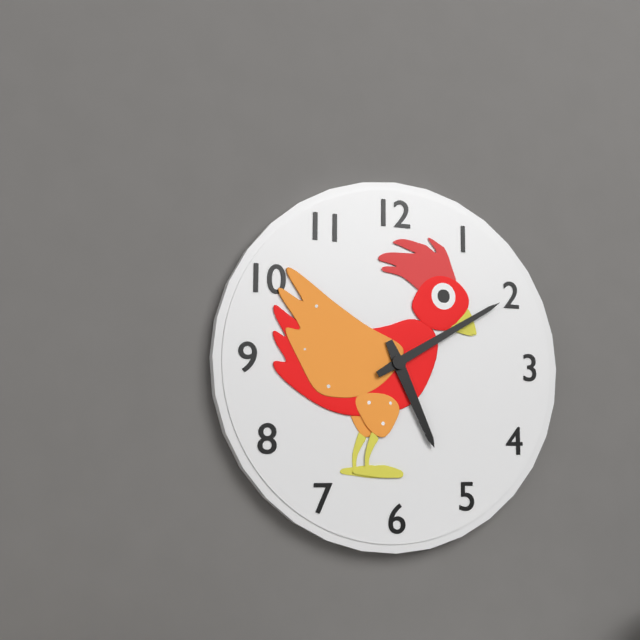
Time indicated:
5 h 10 min
